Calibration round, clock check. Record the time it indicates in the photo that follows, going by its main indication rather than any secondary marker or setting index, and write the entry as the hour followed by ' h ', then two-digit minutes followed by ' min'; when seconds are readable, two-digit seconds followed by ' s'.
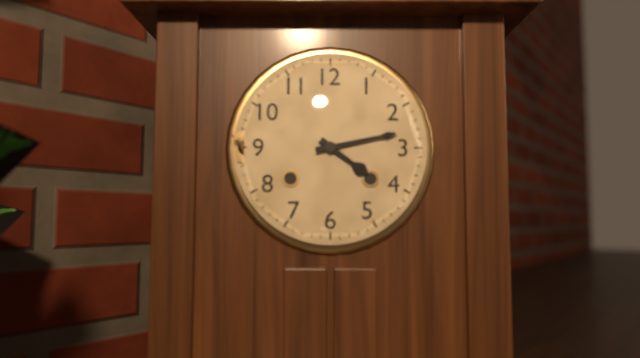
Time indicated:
4 h 13 min
